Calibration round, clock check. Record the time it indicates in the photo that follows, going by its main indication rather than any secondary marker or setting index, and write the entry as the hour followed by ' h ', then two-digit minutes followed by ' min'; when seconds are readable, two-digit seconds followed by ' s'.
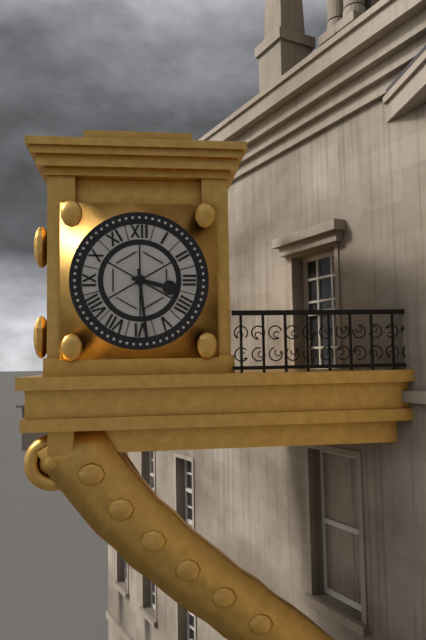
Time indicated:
3 h 29 min
